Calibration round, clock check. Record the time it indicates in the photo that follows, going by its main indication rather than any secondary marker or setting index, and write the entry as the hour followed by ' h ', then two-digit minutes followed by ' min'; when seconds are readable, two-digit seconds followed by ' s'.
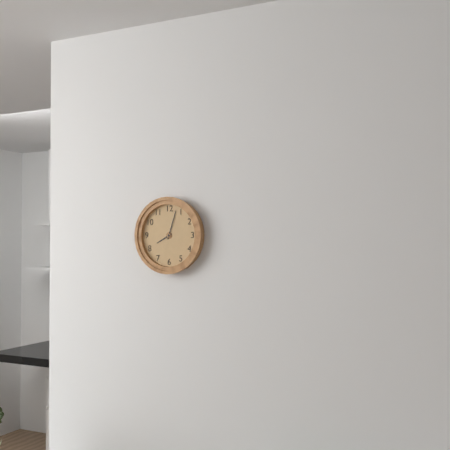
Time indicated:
8 h 03 min
